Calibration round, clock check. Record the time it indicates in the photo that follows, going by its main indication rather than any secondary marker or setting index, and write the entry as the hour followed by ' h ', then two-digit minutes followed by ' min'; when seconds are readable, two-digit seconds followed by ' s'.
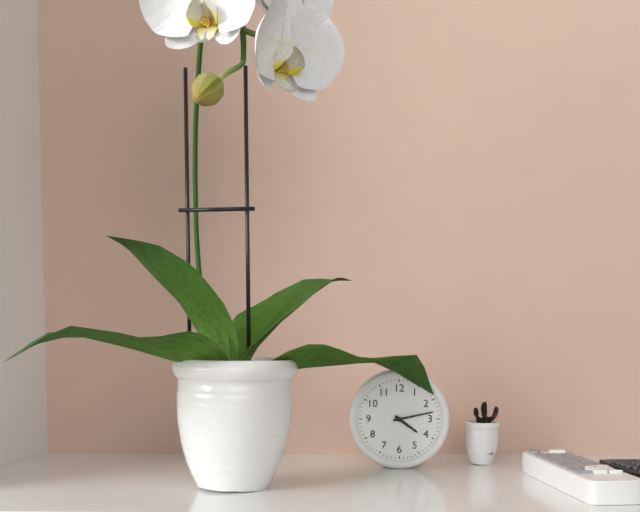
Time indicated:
4 h 13 min
